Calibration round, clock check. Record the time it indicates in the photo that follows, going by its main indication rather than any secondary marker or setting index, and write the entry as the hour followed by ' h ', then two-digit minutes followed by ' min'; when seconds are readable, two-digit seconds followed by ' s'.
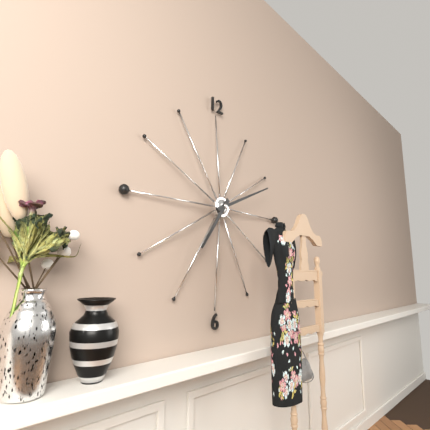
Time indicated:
7 h 11 min
